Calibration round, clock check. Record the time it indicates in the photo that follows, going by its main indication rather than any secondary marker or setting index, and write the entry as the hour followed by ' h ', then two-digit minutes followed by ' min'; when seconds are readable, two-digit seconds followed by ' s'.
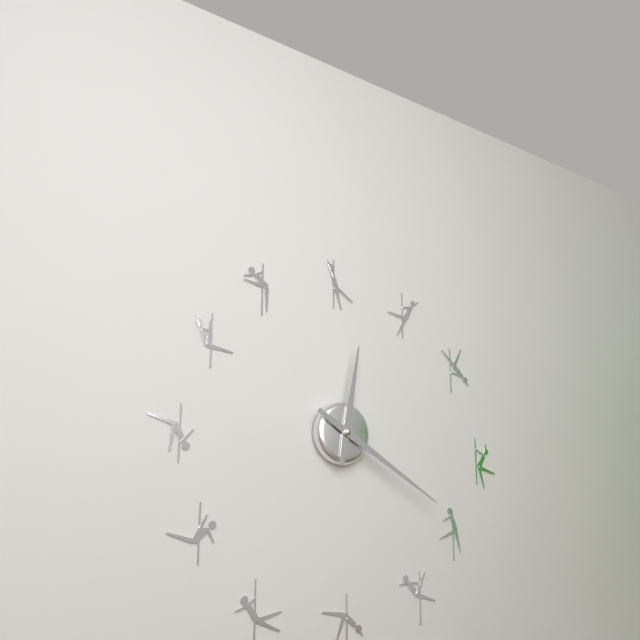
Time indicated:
12 h 20 min
